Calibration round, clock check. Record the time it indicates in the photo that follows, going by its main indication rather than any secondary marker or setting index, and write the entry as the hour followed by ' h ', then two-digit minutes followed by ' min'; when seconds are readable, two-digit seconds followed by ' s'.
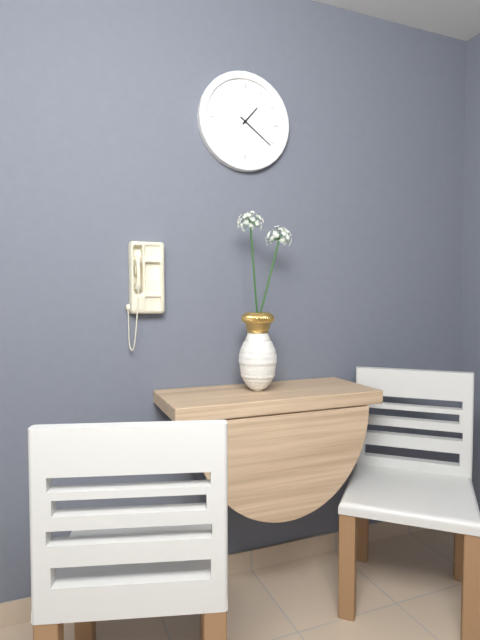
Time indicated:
1 h 21 min
